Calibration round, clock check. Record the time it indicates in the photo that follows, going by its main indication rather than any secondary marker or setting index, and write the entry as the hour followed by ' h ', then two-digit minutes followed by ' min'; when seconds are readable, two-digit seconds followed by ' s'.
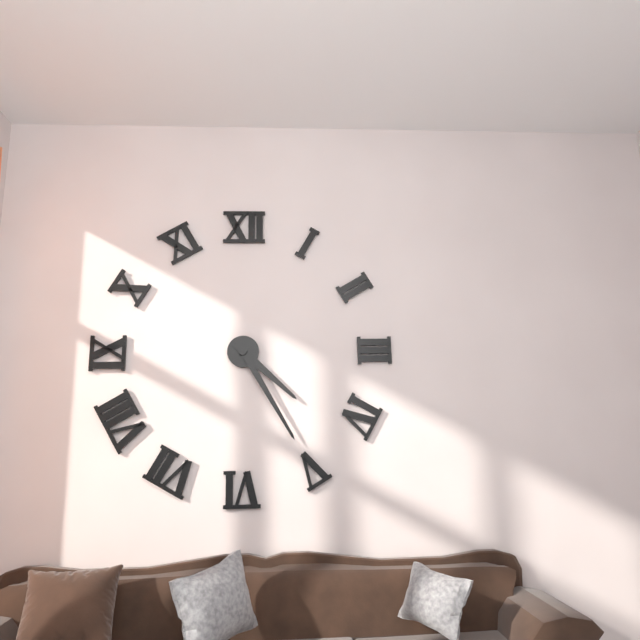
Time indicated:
4 h 25 min
